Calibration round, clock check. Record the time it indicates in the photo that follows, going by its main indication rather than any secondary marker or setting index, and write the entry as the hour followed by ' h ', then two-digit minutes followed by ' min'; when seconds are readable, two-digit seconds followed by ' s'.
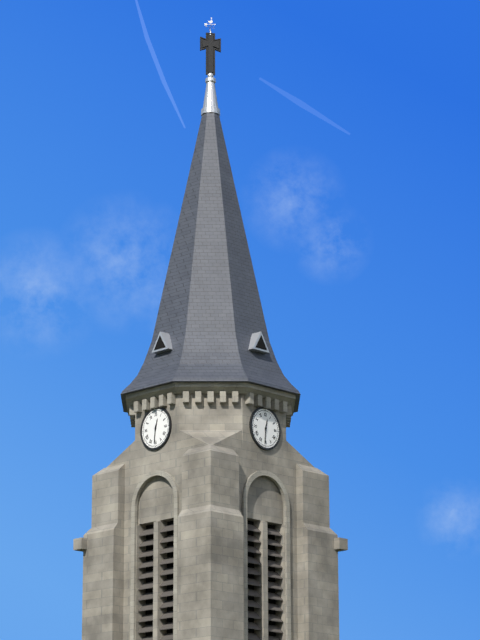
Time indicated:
12 h 31 min
